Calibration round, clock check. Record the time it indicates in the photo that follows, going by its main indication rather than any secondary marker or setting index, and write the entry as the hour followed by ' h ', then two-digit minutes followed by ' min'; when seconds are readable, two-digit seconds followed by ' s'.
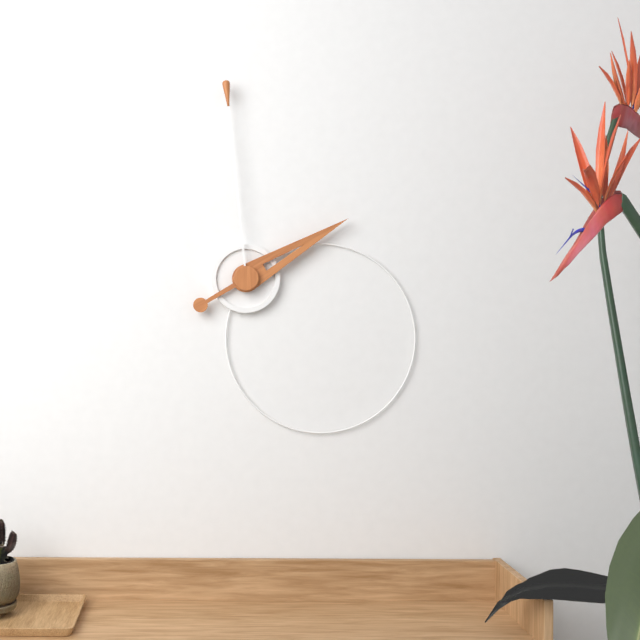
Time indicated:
1 h 59 min
